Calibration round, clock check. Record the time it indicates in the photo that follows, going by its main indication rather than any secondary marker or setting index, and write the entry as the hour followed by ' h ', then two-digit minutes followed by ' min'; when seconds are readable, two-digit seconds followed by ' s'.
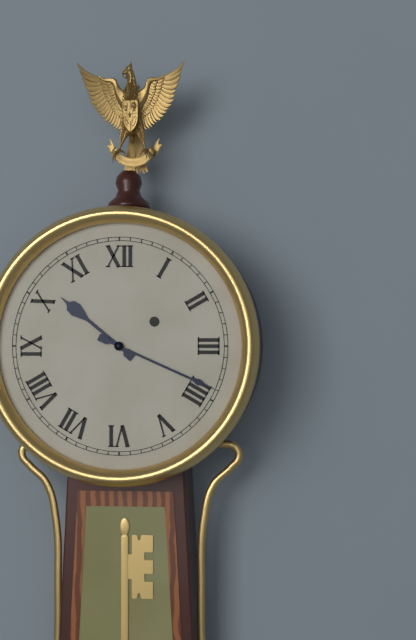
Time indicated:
10 h 19 min
